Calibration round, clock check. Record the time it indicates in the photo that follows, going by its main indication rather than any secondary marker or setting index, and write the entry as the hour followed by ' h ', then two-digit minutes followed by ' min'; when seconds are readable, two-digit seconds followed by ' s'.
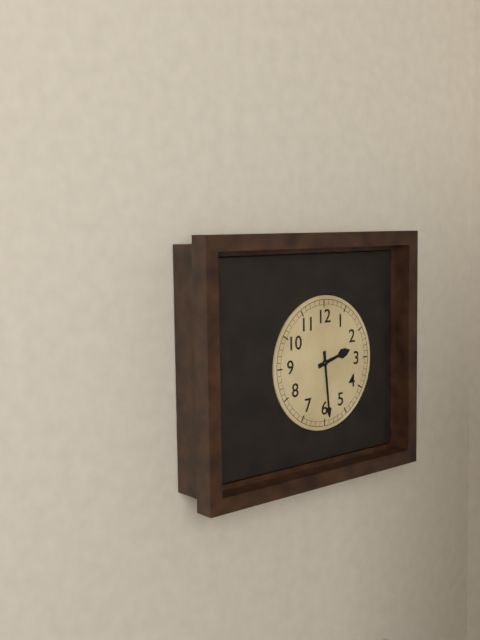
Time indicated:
2 h 29 min
